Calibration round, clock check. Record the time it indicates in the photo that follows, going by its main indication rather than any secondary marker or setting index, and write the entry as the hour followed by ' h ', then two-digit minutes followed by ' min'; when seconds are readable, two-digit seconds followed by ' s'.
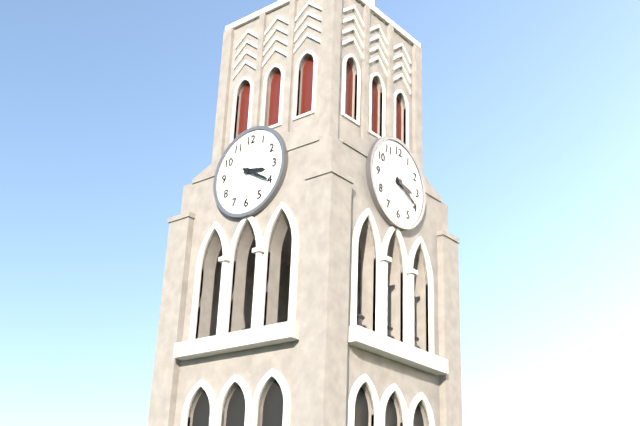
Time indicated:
3 h 20 min
